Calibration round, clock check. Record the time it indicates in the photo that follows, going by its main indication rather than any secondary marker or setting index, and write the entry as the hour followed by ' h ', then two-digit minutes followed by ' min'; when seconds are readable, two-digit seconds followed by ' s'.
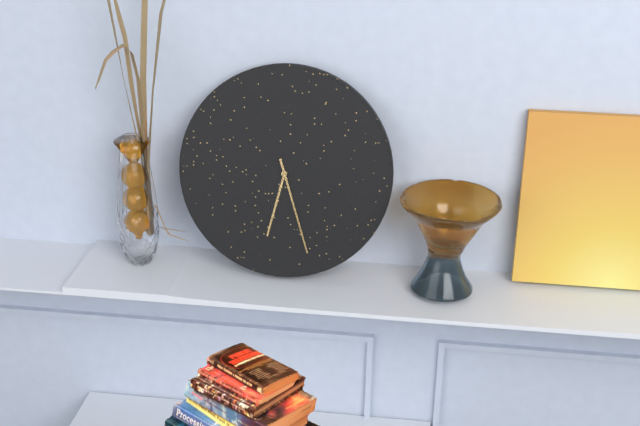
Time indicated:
6 h 27 min
